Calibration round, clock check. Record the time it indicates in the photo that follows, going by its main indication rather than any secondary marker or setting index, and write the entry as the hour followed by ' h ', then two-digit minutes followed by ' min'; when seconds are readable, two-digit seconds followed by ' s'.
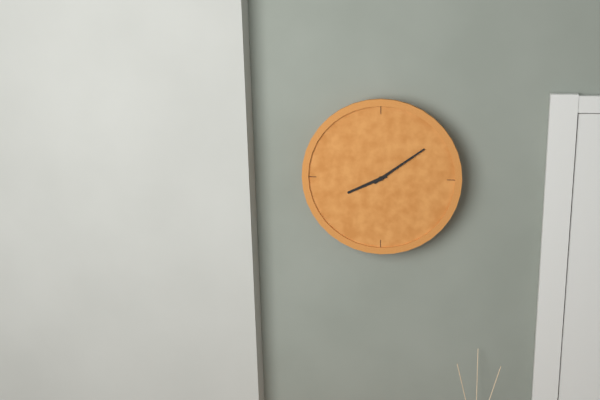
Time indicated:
8 h 09 min
